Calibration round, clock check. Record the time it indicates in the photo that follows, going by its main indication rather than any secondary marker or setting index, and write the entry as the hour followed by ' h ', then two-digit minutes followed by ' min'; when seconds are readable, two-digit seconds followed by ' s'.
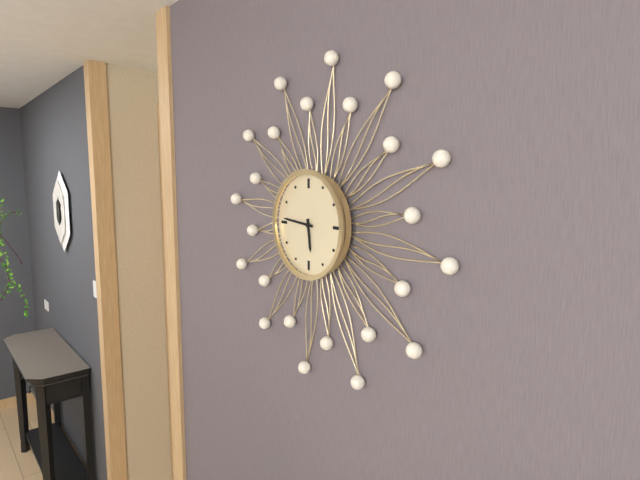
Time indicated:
5 h 46 min
